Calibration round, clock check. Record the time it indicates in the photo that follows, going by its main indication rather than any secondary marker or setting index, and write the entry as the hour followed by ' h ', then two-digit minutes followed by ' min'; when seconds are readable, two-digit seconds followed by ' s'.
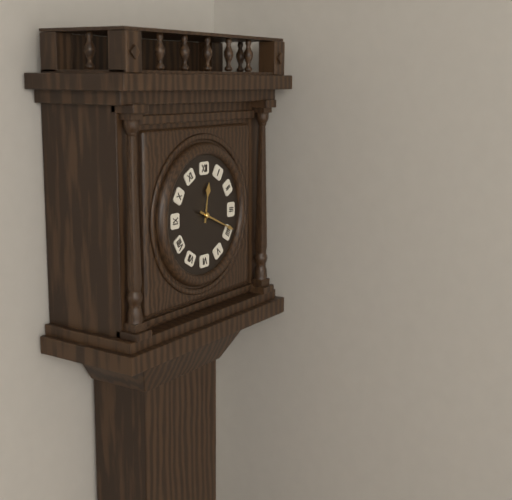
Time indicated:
12 h 19 min
